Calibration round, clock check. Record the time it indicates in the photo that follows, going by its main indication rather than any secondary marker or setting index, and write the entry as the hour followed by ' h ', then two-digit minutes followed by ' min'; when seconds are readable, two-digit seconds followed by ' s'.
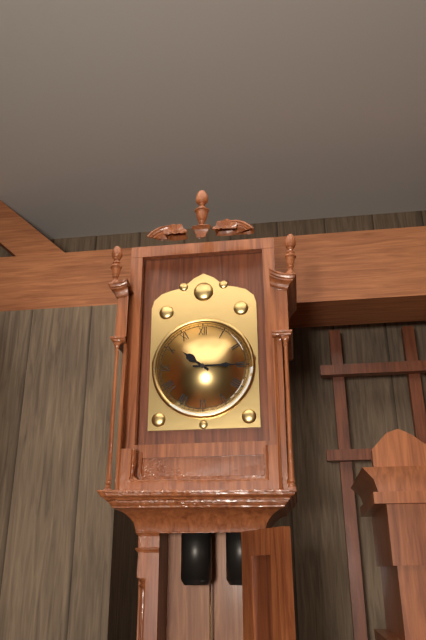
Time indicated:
10 h 15 min
